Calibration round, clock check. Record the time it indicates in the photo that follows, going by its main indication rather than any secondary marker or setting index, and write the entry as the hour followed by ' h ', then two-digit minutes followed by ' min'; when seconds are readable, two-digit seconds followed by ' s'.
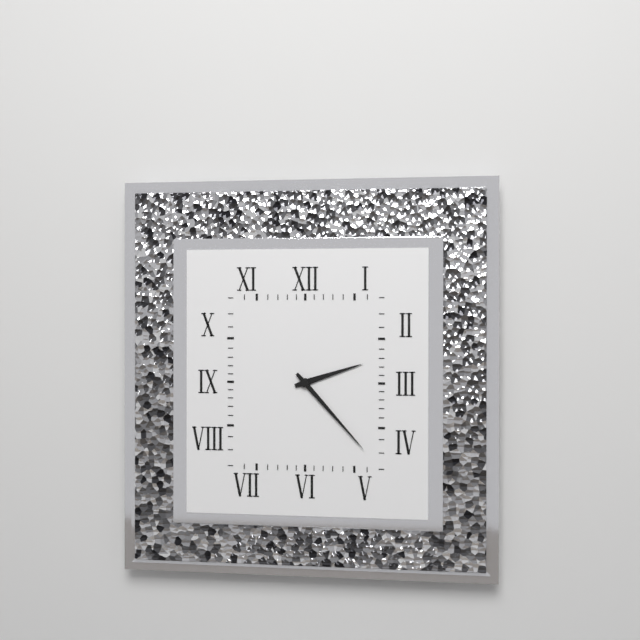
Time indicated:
2 h 23 min
